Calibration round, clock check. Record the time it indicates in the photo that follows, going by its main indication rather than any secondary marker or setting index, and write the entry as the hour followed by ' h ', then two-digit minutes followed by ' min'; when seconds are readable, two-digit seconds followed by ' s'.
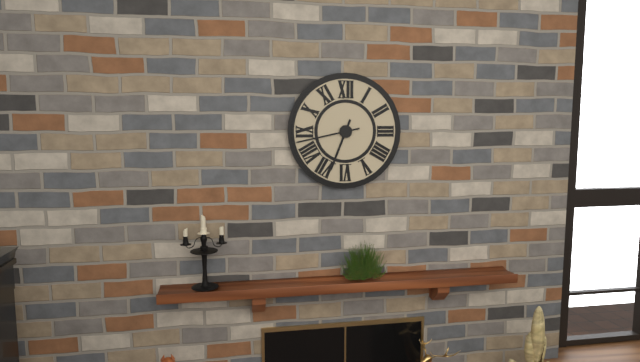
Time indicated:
6 h 43 min
